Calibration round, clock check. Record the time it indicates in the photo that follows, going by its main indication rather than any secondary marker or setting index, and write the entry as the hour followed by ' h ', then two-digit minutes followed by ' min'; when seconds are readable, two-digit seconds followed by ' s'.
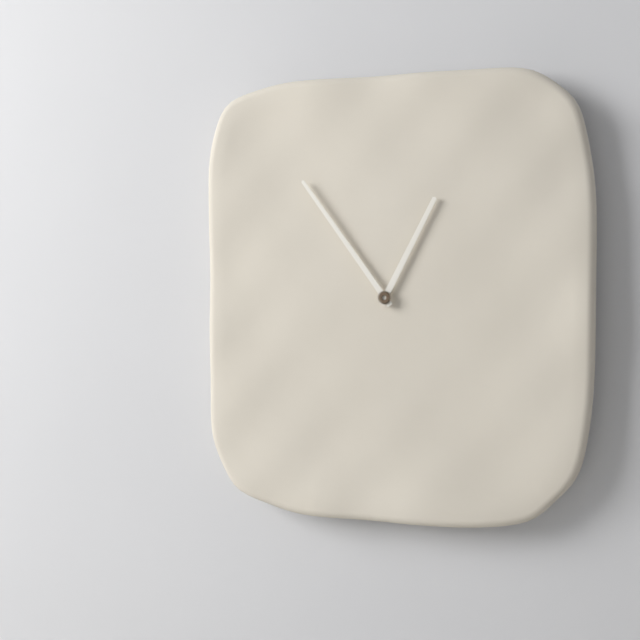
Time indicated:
12 h 54 min
